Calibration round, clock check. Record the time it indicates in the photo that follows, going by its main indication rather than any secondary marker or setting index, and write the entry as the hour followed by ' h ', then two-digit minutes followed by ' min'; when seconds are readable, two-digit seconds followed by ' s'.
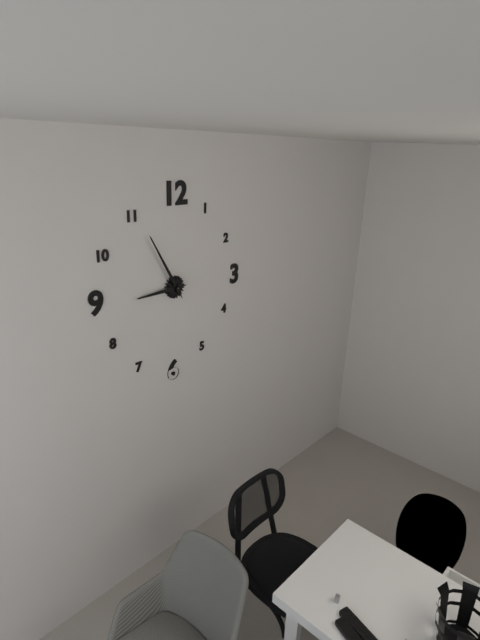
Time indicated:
8 h 55 min
